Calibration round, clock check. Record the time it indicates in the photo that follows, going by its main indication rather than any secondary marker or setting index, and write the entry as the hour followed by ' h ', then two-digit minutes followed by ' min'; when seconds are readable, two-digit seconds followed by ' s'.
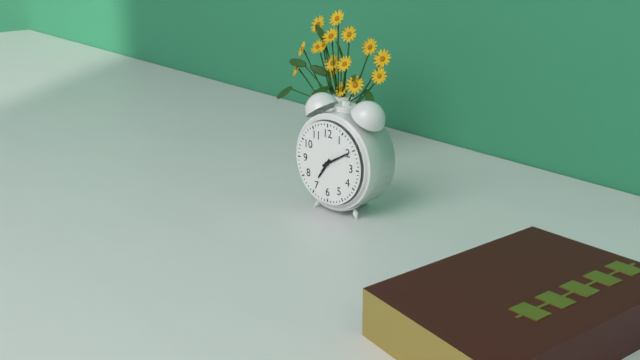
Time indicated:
7 h 10 min
